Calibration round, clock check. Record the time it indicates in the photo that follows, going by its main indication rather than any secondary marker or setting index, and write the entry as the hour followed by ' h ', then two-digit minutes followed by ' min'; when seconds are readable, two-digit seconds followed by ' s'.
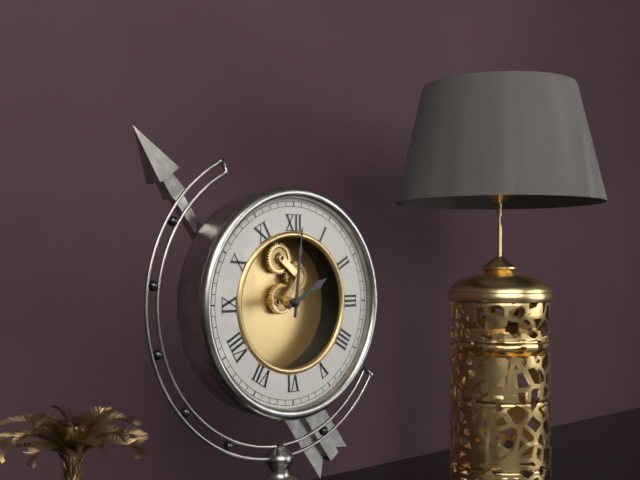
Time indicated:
2 h 01 min
